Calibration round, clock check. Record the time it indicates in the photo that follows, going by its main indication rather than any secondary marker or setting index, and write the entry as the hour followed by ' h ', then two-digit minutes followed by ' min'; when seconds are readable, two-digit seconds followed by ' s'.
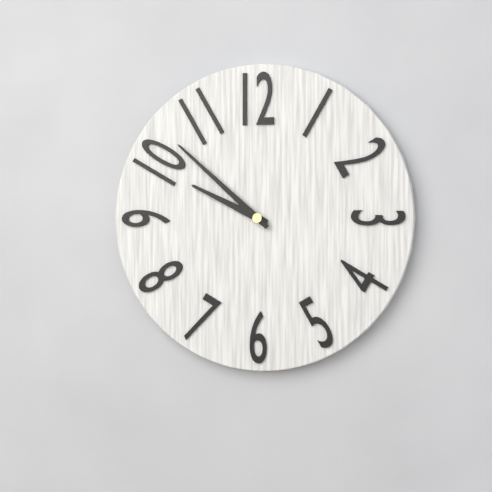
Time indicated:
9 h 52 min
